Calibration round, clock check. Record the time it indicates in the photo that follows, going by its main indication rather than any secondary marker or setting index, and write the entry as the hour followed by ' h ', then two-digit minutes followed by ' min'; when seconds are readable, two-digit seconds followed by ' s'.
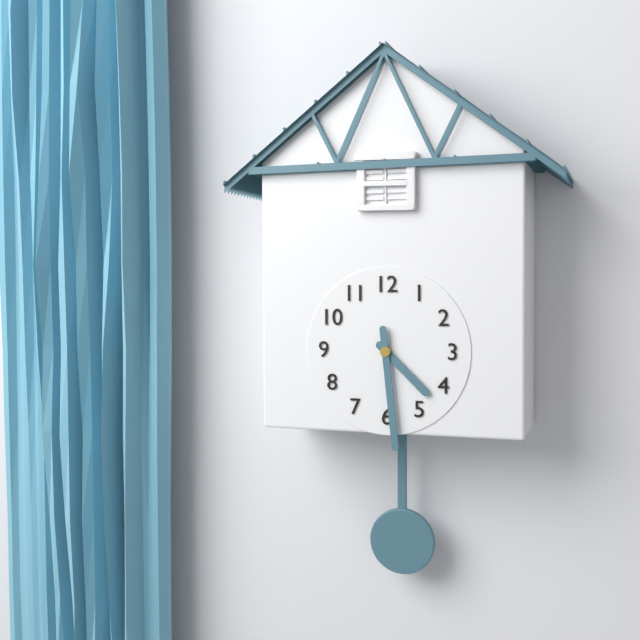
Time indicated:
4 h 29 min
